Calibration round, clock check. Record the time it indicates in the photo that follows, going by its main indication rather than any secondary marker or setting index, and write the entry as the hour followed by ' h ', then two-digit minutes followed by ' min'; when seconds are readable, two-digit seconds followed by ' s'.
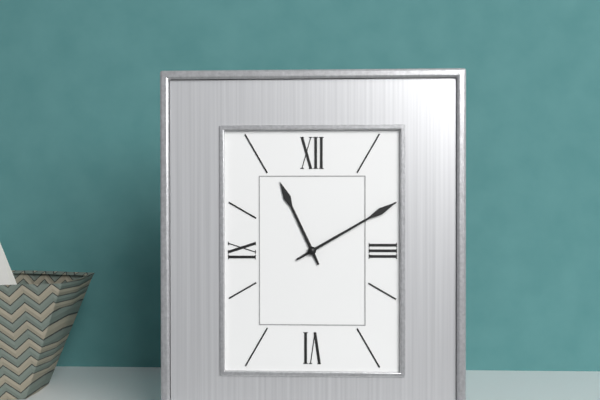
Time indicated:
11 h 10 min
